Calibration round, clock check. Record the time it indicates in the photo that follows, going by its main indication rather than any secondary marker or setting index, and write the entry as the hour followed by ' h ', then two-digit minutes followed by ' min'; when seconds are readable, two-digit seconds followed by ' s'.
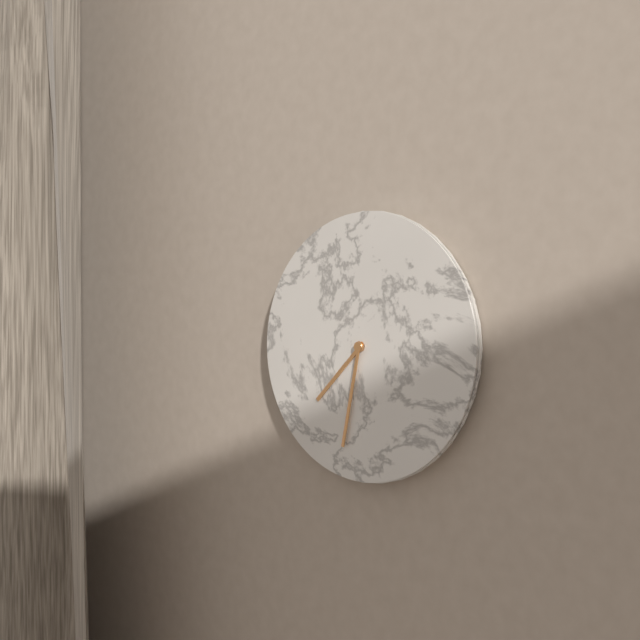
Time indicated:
7 h 32 min
